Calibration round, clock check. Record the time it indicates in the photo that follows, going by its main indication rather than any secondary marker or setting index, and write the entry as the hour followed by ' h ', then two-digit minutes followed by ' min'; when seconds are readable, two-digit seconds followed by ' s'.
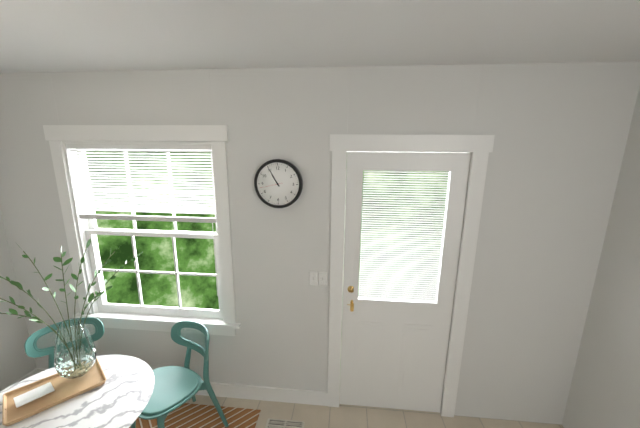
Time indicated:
10 h 55 min
